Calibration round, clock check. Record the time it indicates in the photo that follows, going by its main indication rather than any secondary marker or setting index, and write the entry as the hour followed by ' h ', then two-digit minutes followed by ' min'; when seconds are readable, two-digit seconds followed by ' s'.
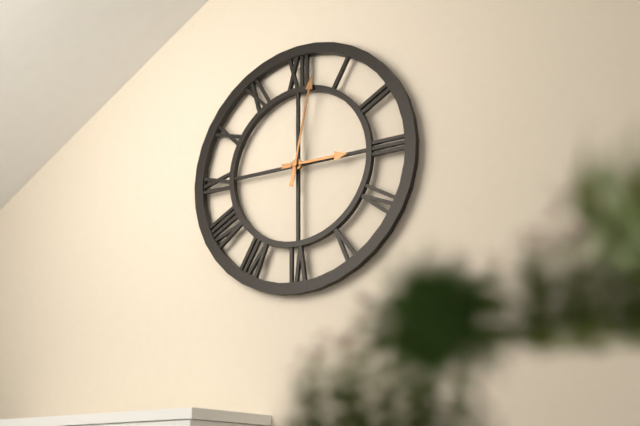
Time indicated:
3 h 02 min
